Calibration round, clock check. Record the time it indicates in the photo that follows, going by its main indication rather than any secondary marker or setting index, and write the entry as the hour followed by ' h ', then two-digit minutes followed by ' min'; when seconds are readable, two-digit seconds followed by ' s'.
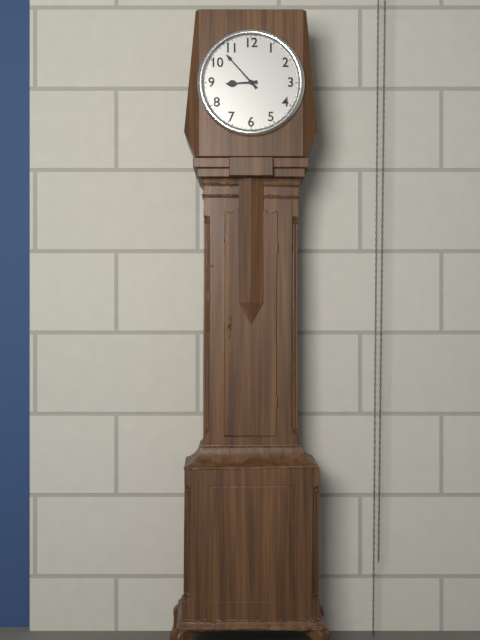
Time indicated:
8 h 53 min
